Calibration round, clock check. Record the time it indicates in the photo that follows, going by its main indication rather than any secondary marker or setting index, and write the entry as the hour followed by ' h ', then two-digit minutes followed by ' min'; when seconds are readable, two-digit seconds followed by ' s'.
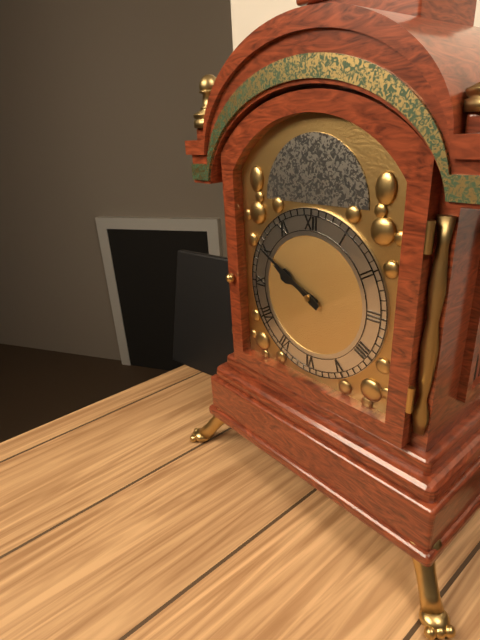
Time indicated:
9 h 50 min
